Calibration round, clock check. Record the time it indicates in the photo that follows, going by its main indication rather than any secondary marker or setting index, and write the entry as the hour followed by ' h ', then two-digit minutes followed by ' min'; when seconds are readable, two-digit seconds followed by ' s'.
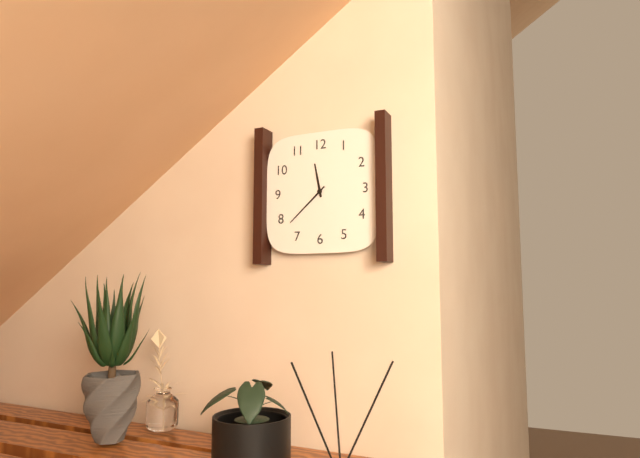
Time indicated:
11 h 38 min
